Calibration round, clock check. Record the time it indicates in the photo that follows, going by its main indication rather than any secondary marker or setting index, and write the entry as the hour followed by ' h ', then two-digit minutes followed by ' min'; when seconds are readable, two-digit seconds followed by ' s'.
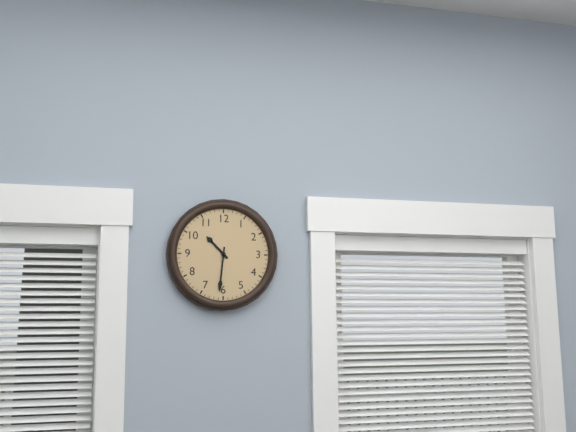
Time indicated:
10 h 31 min
